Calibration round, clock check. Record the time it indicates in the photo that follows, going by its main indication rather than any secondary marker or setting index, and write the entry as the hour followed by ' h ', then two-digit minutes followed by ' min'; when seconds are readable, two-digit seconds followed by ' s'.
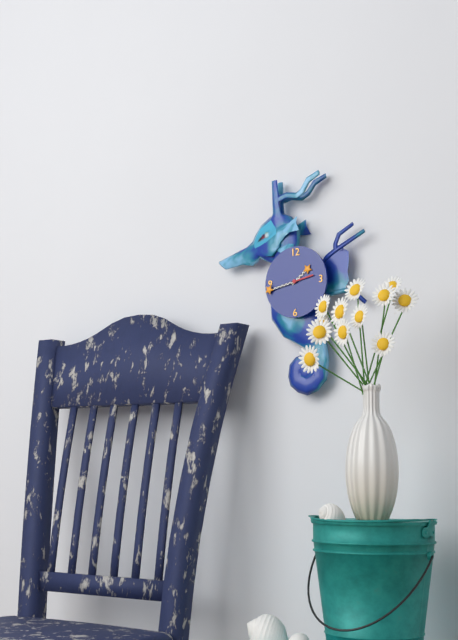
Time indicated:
1 h 43 min
